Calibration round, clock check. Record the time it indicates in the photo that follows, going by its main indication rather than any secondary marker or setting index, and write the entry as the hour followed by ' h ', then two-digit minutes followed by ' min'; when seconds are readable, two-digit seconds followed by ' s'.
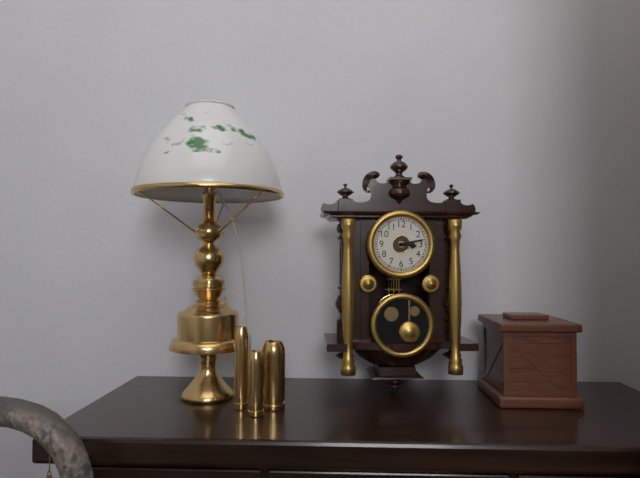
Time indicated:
3 h 13 min
